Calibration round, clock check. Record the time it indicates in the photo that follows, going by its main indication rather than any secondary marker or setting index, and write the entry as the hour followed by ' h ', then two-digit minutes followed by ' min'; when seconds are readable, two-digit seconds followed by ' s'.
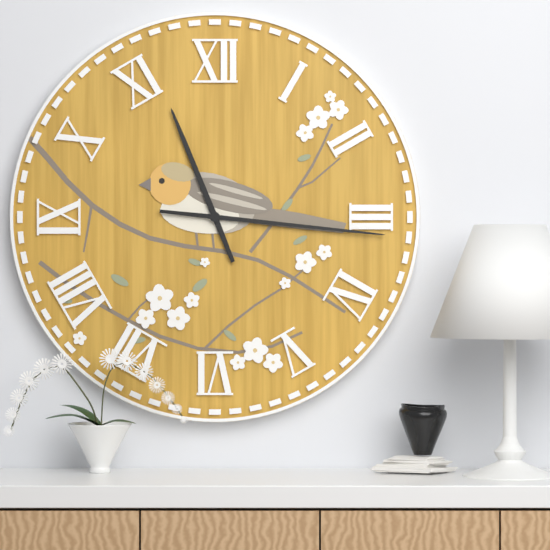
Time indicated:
11 h 16 min
